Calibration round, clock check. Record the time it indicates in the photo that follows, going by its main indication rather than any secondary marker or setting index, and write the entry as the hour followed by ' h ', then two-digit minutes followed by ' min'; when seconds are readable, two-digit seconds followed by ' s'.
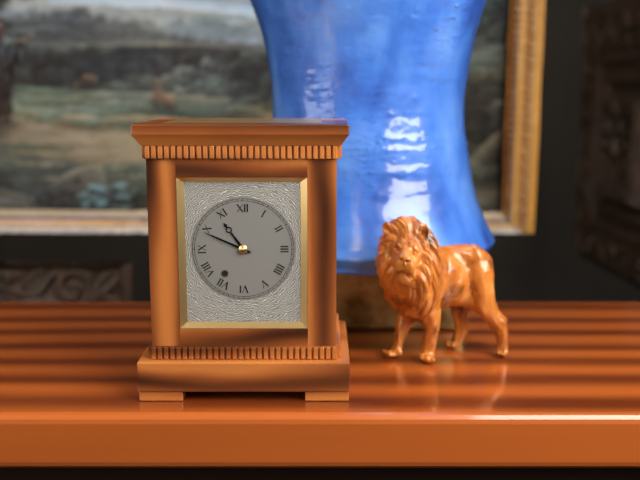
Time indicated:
10 h 49 min
